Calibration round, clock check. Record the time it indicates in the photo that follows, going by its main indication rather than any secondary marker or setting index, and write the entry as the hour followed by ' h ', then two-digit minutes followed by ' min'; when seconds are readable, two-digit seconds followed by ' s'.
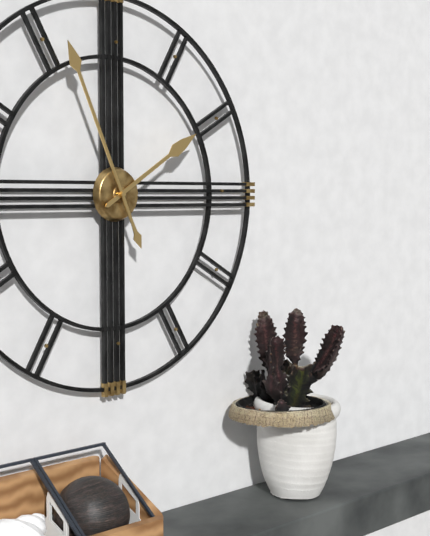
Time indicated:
1 h 56 min
